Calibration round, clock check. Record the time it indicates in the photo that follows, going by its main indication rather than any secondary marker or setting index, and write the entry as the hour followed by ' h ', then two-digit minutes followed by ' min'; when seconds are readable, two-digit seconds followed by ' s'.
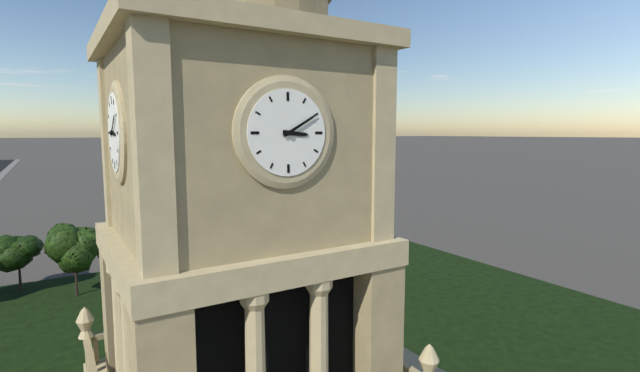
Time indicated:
3 h 10 min
